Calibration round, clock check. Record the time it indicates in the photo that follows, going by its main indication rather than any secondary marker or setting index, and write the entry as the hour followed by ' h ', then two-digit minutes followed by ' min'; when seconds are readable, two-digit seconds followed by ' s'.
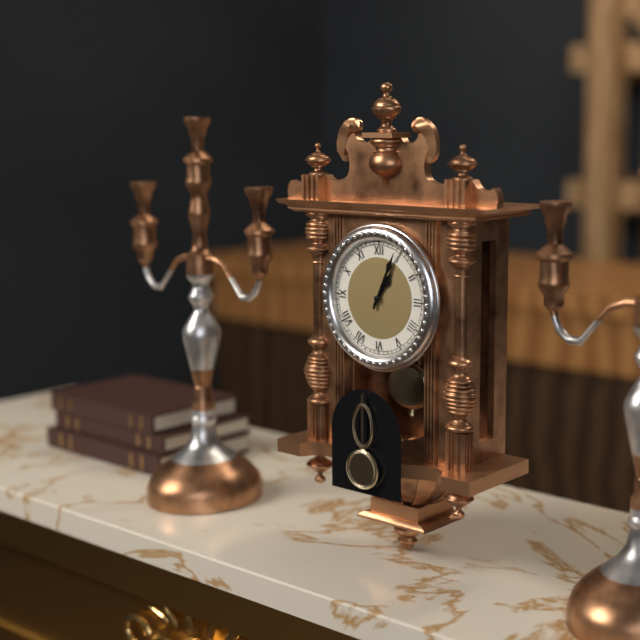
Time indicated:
1 h 04 min
